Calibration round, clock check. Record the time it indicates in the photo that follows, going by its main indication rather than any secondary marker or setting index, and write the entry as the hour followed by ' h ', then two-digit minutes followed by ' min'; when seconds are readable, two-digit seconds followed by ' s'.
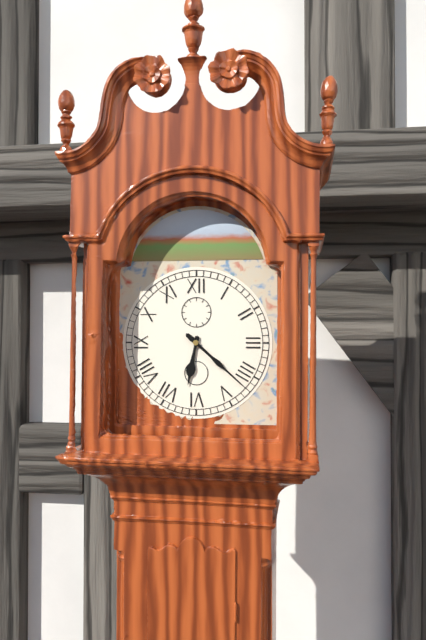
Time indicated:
6 h 22 min
